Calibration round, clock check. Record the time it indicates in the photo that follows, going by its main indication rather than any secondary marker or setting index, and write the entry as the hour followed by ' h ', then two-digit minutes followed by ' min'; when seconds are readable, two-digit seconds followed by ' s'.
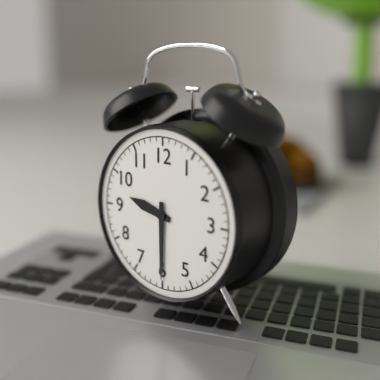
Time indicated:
9 h 30 min
